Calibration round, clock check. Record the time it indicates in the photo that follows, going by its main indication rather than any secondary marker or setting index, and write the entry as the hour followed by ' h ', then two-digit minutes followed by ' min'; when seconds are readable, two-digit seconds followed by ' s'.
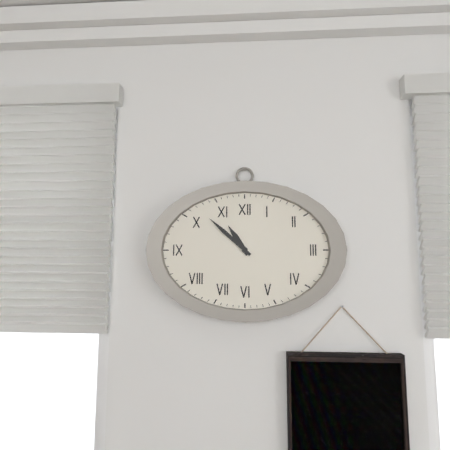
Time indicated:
10 h 52 min
